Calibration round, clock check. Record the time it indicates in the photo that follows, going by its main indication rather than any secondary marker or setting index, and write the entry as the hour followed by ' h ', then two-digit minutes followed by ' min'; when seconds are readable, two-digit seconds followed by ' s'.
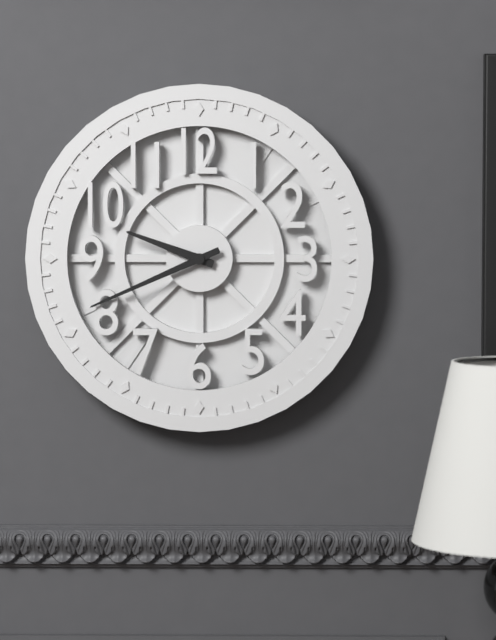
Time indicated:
9 h 41 min
